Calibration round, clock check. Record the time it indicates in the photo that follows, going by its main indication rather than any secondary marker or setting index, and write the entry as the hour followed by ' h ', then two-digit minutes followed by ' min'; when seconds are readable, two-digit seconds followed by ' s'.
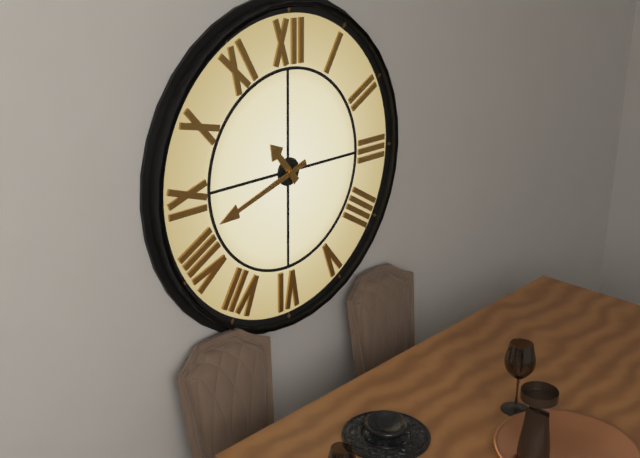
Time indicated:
10 h 42 min
